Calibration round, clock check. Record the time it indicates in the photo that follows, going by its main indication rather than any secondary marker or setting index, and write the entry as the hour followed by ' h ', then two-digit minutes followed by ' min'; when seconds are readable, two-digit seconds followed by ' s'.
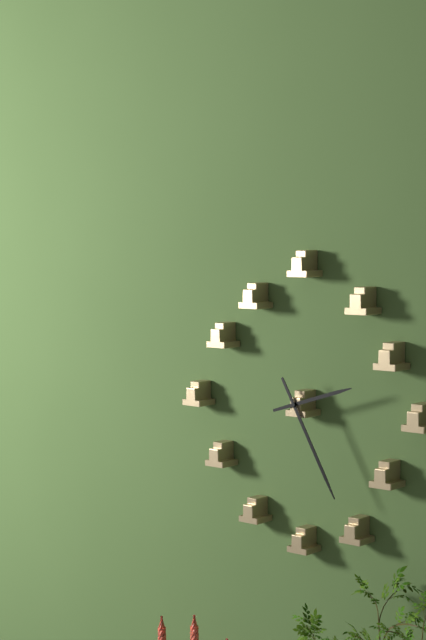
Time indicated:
2 h 25 min
